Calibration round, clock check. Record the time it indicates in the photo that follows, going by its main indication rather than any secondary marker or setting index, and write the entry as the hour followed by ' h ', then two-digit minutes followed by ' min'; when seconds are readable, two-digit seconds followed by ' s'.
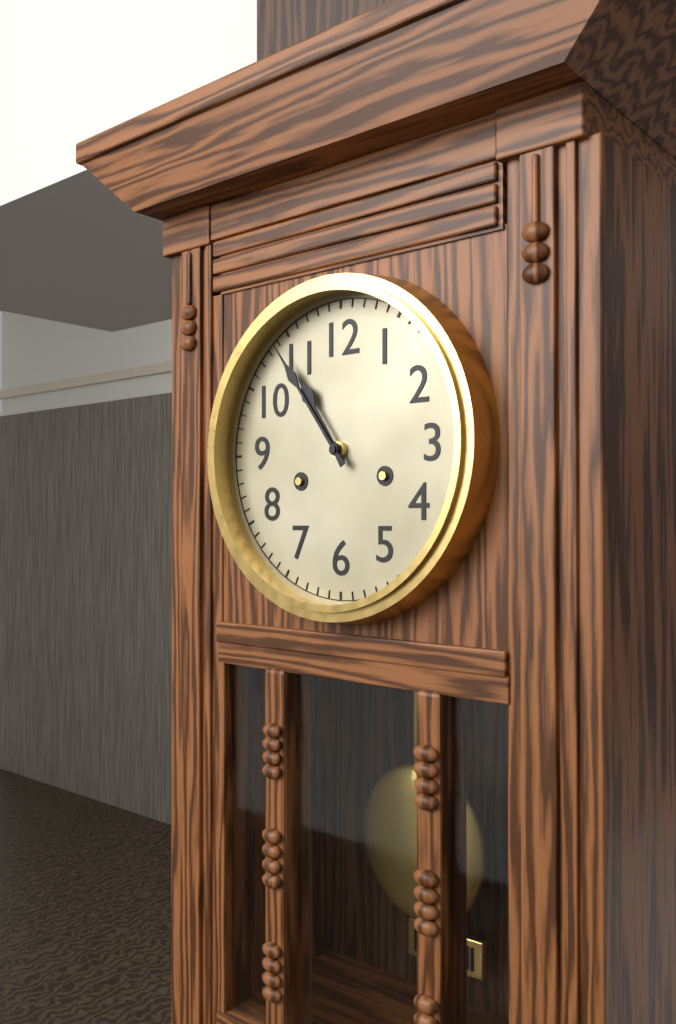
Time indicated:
10 h 54 min
